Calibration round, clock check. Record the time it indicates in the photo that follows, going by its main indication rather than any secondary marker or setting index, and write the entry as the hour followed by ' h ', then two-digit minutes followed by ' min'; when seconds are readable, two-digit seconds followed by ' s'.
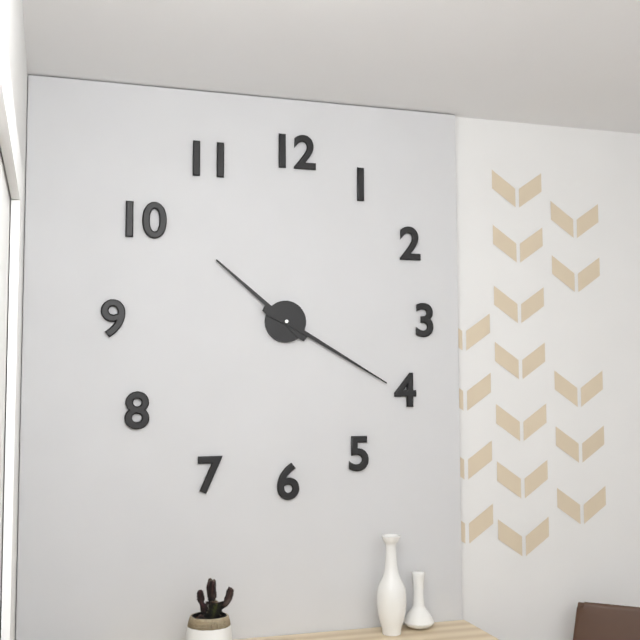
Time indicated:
10 h 20 min
